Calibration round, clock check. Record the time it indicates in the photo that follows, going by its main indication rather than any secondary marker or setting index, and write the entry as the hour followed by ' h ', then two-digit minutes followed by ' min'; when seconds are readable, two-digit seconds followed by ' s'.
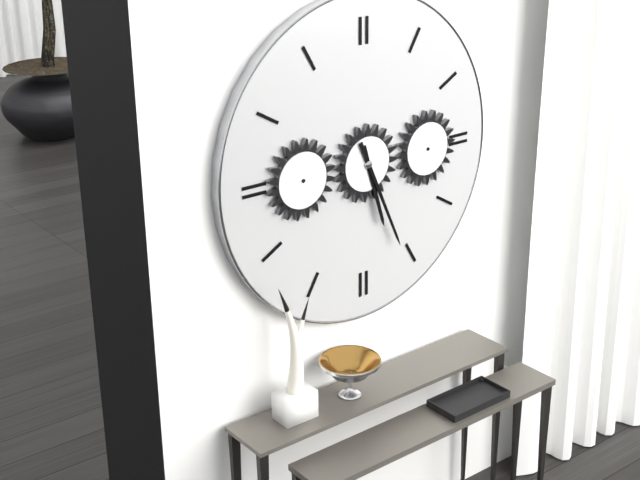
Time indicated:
5 h 26 min
